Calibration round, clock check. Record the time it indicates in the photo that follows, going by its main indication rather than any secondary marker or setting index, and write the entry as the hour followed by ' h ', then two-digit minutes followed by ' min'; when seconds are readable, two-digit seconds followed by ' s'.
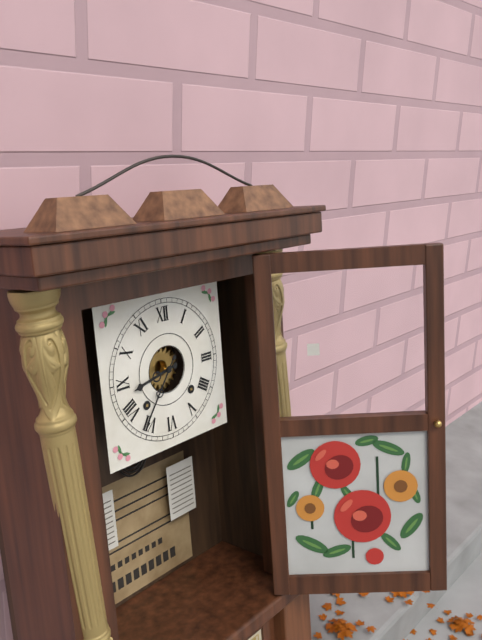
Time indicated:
8 h 36 min
